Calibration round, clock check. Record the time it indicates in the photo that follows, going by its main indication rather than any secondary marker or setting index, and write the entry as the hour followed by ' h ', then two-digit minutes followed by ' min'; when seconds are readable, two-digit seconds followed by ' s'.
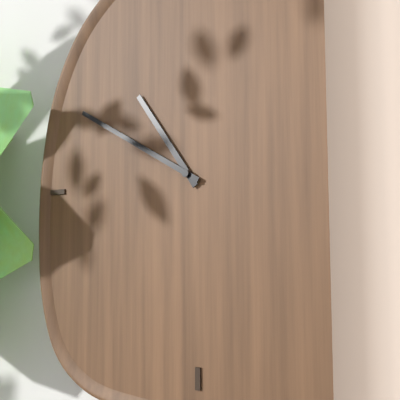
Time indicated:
10 h 50 min
